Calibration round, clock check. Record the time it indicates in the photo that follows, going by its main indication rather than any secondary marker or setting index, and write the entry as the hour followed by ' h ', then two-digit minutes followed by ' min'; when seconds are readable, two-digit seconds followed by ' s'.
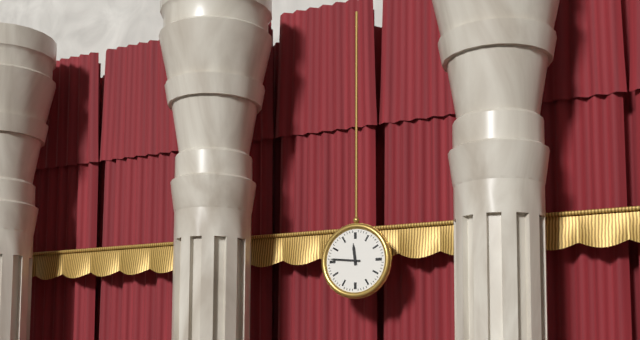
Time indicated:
11 h 46 min
